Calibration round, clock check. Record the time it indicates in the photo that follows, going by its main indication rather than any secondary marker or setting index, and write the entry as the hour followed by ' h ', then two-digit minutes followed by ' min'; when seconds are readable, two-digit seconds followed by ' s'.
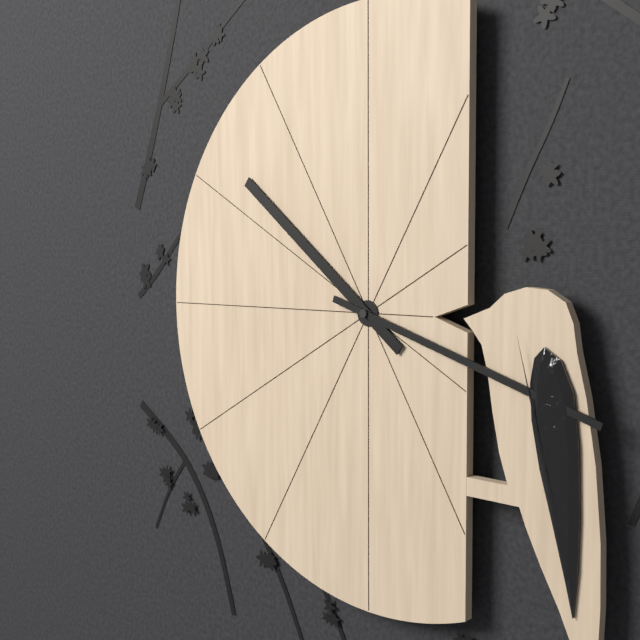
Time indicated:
10 h 18 min
